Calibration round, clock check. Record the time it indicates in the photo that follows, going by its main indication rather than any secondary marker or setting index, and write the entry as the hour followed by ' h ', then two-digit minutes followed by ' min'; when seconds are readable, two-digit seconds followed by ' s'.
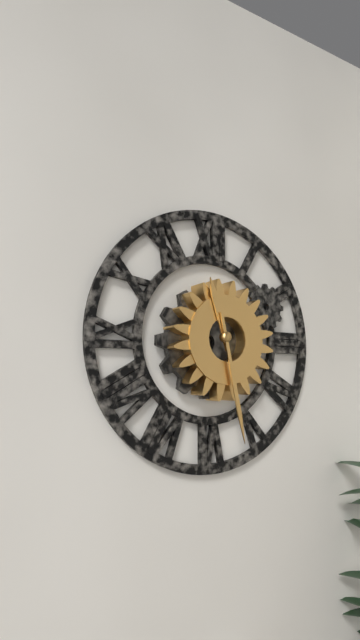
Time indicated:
11 h 28 min
